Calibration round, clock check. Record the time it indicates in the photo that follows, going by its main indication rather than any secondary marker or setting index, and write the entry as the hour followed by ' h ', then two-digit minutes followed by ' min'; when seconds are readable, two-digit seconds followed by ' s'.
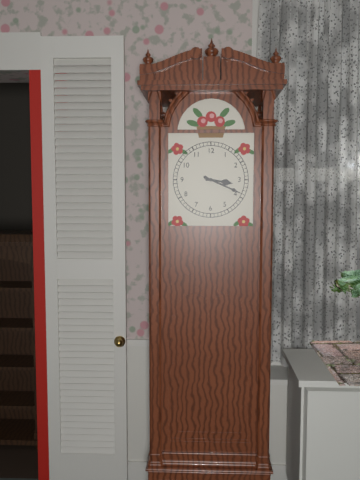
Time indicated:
3 h 19 min
